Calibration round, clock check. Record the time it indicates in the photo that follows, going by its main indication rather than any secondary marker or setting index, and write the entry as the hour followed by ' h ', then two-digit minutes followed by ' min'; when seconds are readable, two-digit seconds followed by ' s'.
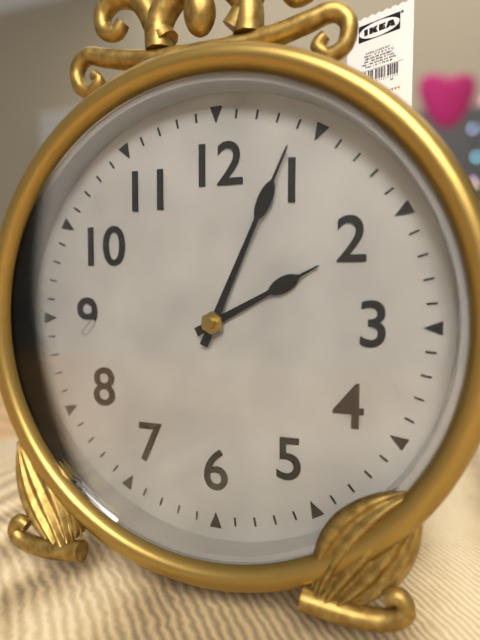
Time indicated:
2 h 04 min
